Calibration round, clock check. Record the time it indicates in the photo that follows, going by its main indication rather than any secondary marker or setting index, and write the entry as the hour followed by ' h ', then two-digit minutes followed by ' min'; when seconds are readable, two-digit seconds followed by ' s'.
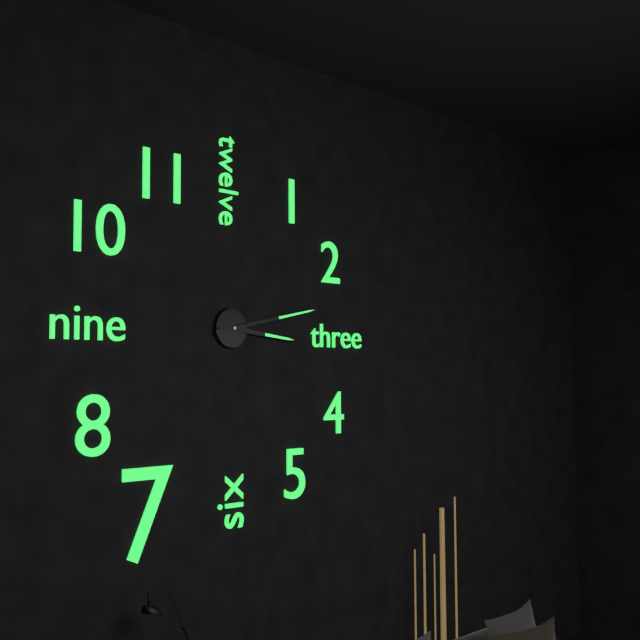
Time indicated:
3 h 13 min
